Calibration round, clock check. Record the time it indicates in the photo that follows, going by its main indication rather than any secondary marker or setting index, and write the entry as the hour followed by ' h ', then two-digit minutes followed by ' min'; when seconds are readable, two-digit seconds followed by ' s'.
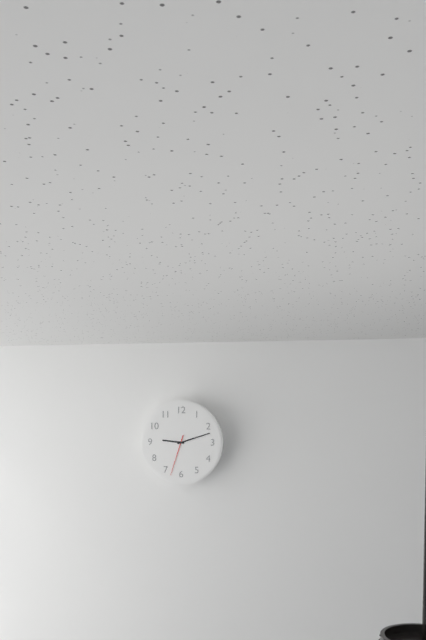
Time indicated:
9 h 12 min
